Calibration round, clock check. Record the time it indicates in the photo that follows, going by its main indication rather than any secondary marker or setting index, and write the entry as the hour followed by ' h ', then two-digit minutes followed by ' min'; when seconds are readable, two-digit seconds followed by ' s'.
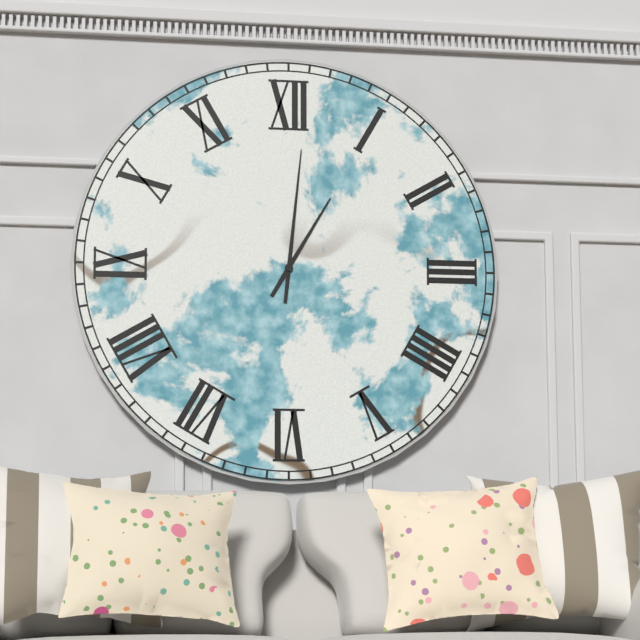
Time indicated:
1 h 01 min
